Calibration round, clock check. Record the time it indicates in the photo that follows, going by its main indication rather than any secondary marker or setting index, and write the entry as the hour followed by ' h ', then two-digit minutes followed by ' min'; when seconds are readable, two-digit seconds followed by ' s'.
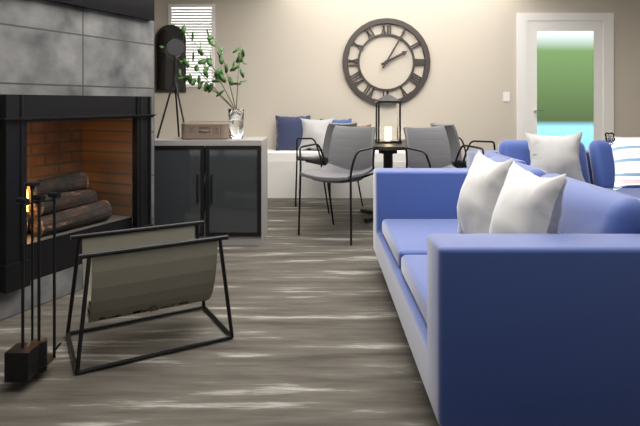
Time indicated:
2 h 05 min
